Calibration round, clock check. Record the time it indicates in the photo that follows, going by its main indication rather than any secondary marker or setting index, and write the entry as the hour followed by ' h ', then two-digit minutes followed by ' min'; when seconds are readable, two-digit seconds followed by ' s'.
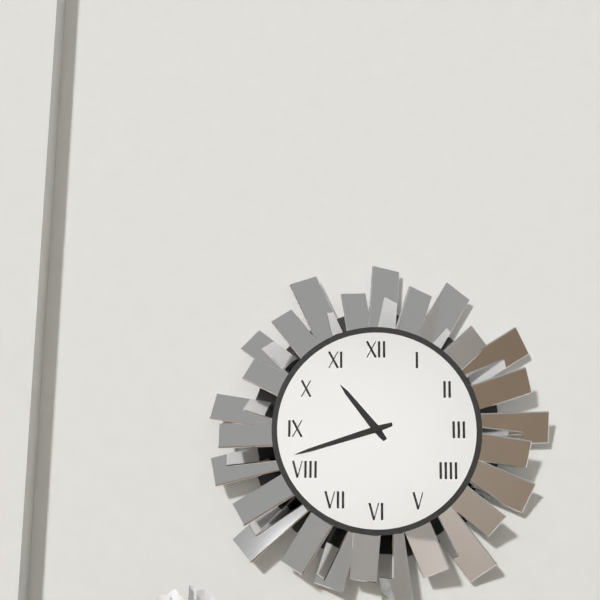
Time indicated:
10 h 42 min
